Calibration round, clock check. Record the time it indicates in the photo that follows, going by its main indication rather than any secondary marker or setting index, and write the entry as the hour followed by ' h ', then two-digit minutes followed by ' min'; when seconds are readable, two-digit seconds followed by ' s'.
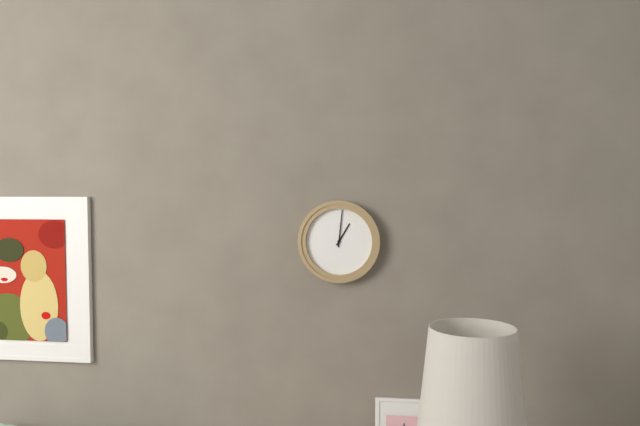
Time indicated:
1 h 01 min
